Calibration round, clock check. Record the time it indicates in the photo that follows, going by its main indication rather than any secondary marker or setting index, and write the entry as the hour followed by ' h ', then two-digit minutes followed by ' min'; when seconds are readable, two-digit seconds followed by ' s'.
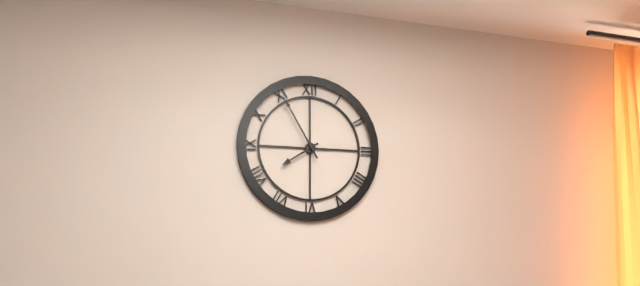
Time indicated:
7 h 55 min
